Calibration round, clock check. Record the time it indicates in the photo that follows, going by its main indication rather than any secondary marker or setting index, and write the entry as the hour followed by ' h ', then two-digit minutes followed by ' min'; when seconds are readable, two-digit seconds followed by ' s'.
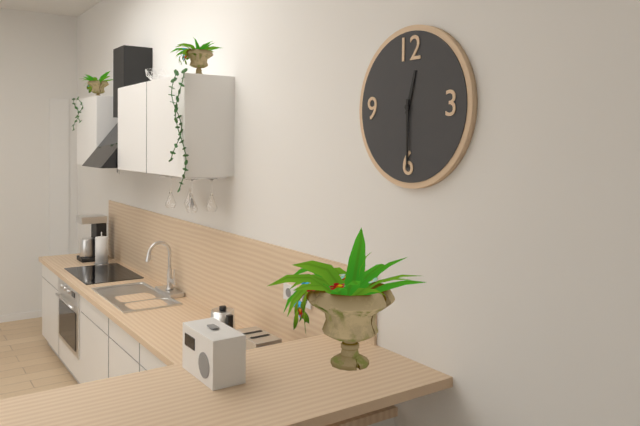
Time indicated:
12 h 30 min
